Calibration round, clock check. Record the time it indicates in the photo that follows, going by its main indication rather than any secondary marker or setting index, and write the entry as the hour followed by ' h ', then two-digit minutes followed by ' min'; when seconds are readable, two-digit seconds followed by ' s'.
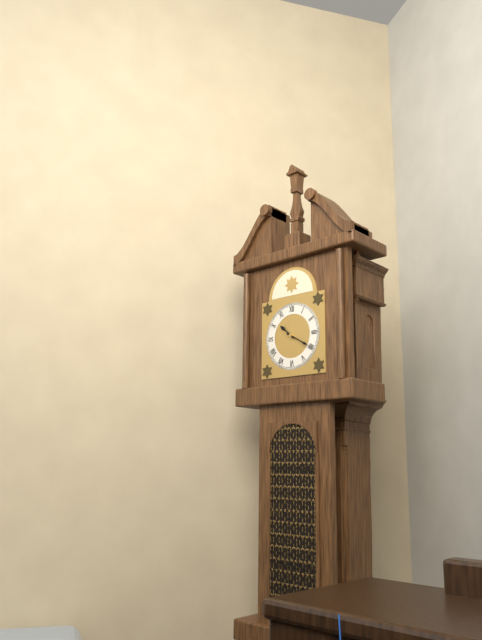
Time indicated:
10 h 20 min
